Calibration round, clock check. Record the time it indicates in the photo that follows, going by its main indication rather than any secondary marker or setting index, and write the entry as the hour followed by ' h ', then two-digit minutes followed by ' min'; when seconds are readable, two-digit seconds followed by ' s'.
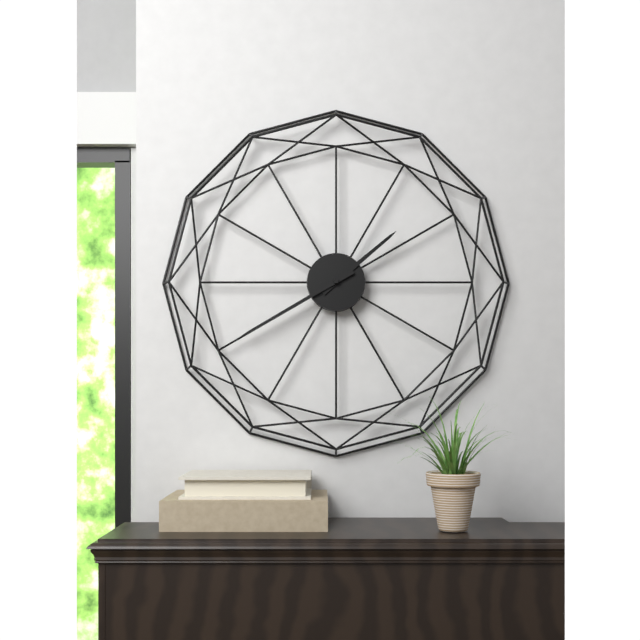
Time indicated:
1 h 40 min
